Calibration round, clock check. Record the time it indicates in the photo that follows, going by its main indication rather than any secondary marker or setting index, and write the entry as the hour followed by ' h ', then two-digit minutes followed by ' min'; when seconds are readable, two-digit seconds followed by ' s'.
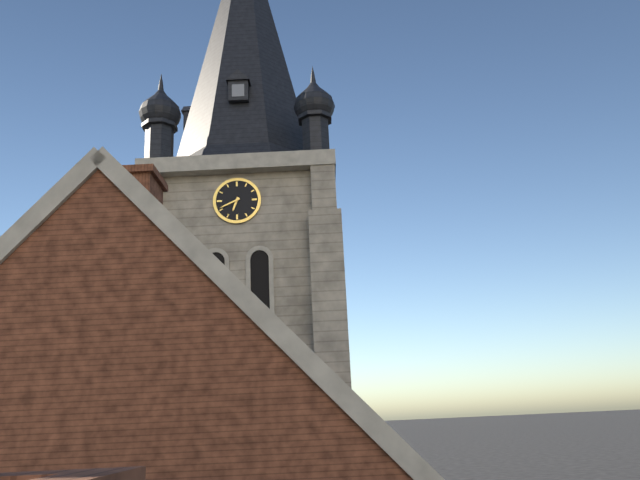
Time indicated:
6 h 41 min
